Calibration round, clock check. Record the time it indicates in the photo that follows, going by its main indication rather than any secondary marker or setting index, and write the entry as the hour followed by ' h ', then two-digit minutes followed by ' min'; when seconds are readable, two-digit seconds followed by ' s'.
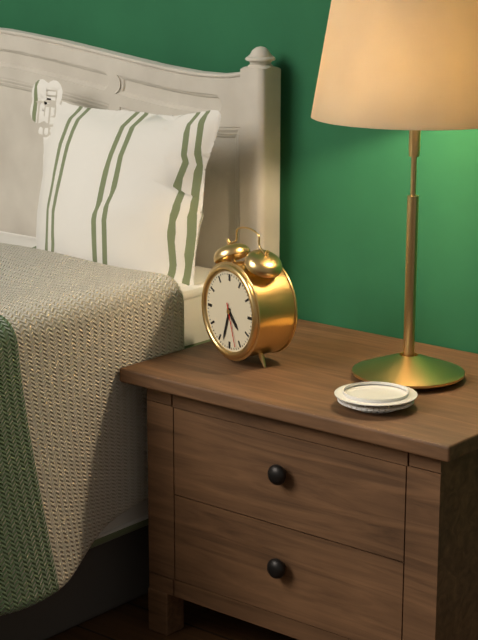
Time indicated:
4 h 33 min
